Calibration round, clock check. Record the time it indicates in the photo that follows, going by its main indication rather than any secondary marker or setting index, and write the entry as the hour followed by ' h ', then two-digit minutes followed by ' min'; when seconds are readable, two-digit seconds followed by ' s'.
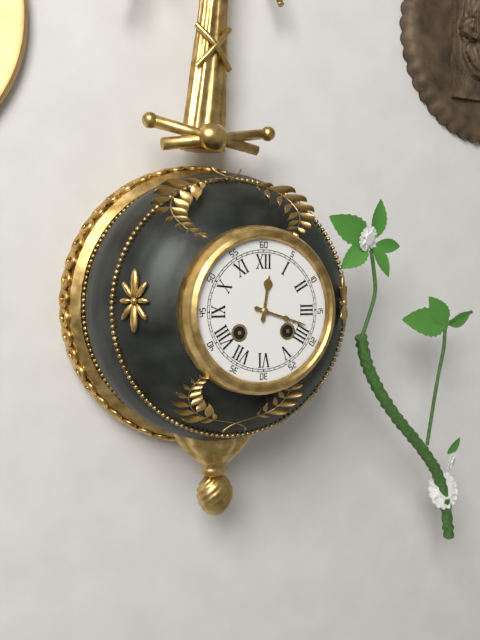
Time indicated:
12 h 18 min
